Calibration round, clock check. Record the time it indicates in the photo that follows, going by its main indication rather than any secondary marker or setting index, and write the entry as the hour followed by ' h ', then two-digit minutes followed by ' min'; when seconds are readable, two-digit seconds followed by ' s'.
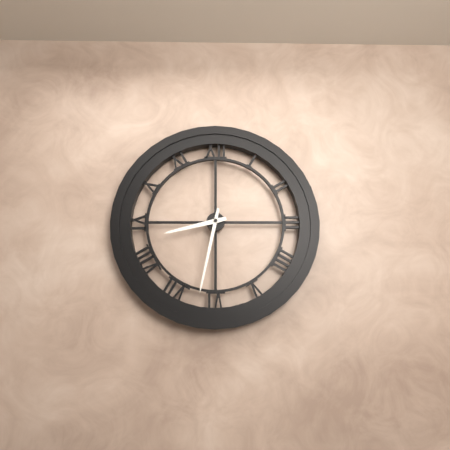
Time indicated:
8 h 32 min
